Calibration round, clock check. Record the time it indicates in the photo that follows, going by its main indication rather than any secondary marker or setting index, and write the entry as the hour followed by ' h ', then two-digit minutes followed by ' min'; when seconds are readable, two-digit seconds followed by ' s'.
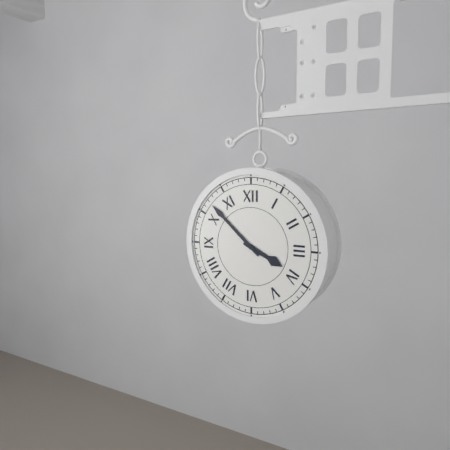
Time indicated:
3 h 52 min
